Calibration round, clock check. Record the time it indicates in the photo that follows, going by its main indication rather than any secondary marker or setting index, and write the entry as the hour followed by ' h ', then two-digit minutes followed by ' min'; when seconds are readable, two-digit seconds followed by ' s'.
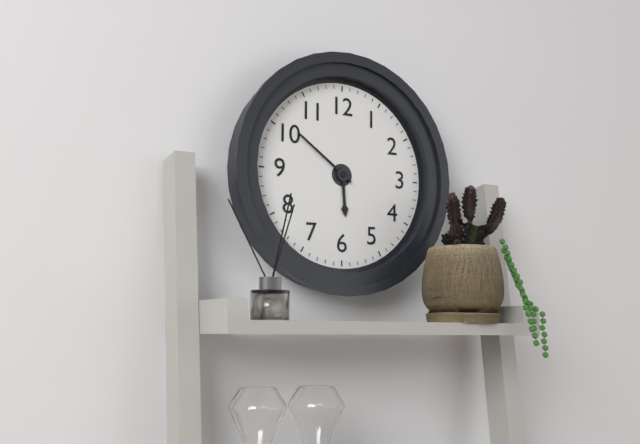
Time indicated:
5 h 51 min
